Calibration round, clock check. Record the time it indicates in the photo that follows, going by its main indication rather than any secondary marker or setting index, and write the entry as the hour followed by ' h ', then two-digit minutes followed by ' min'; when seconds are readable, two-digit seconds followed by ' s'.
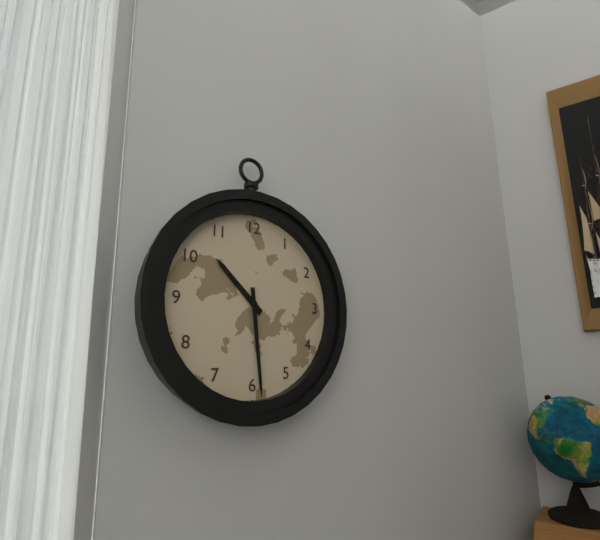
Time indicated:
10 h 29 min
